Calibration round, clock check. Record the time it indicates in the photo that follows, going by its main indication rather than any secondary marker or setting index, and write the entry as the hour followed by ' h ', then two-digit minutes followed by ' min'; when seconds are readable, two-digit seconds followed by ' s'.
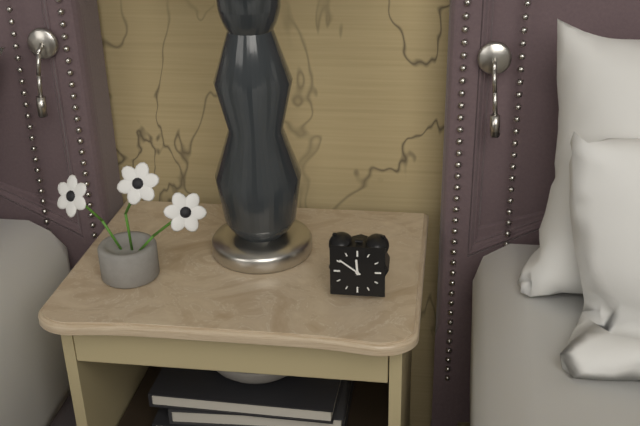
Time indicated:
11 h 51 min
